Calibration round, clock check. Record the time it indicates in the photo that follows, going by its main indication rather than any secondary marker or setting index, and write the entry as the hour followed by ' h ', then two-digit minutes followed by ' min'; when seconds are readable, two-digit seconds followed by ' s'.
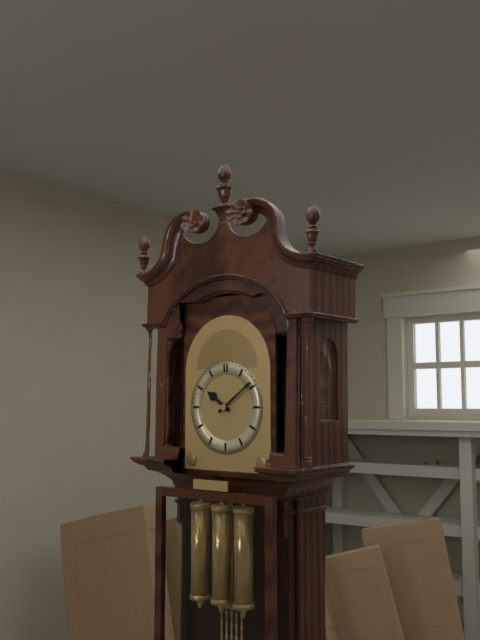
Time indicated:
10 h 09 min
